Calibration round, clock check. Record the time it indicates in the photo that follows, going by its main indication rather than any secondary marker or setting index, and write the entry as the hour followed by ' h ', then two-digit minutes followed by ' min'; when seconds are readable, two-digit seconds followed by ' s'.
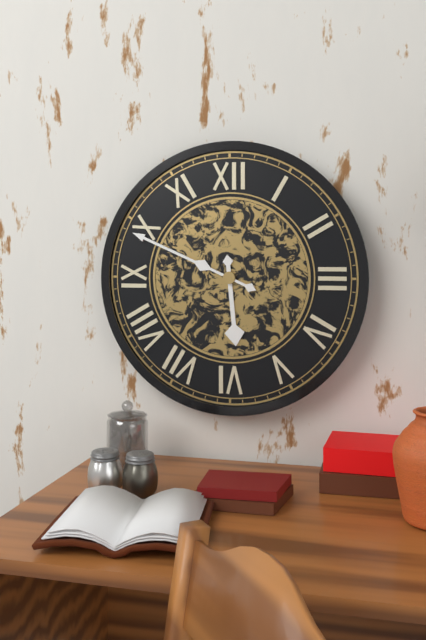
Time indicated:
5 h 49 min
